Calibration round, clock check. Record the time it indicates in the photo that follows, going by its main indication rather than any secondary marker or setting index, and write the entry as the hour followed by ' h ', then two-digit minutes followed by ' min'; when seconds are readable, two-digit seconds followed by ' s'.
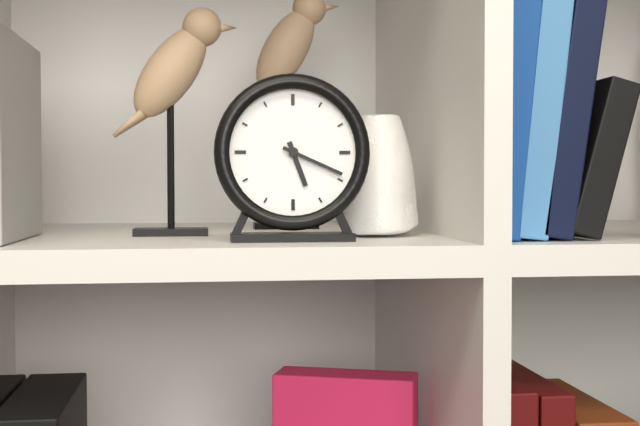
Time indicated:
5 h 19 min
